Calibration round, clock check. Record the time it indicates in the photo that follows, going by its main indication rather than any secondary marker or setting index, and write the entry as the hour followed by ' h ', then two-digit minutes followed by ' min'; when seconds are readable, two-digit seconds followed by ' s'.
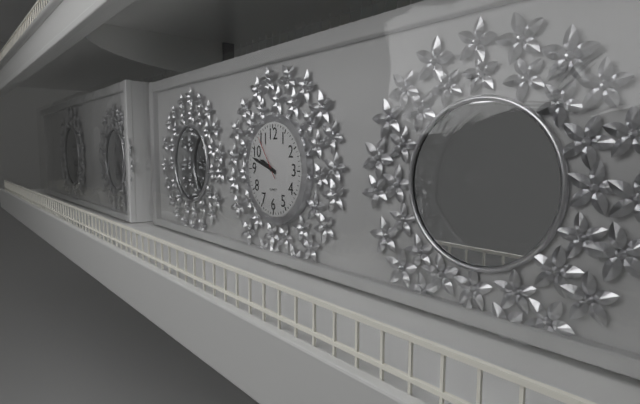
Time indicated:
9 h 48 min
